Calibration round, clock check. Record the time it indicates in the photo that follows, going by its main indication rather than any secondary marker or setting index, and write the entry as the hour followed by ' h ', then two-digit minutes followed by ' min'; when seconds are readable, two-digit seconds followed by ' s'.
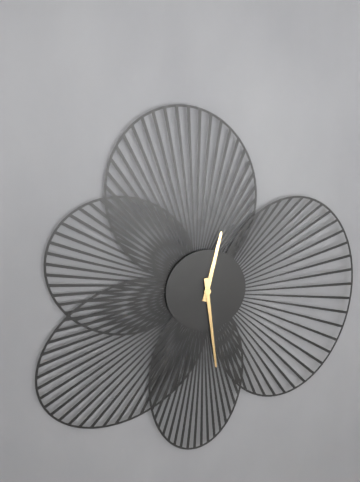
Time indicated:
12 h 29 min
